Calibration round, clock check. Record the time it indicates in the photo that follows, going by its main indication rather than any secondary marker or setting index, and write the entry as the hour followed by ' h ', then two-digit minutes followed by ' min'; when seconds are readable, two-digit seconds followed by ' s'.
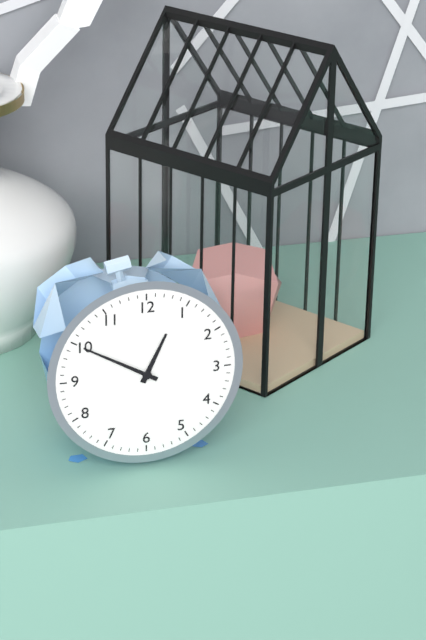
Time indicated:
12 h 50 min
